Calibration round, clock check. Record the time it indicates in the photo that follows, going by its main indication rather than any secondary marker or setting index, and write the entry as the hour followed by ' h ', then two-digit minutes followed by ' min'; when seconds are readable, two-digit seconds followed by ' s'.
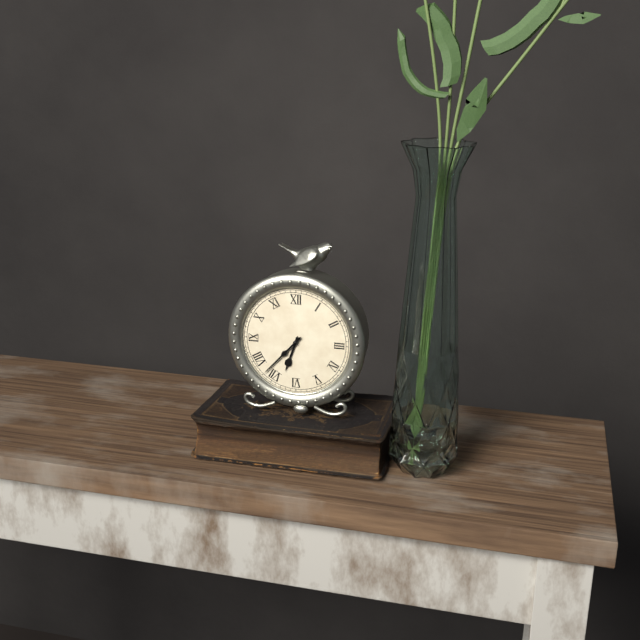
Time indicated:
6 h 37 min
